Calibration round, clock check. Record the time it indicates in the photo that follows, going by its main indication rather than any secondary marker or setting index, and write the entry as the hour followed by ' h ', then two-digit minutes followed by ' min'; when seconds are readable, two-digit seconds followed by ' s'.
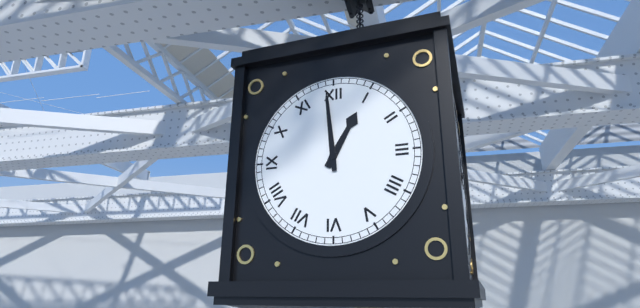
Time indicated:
12 h 59 min
